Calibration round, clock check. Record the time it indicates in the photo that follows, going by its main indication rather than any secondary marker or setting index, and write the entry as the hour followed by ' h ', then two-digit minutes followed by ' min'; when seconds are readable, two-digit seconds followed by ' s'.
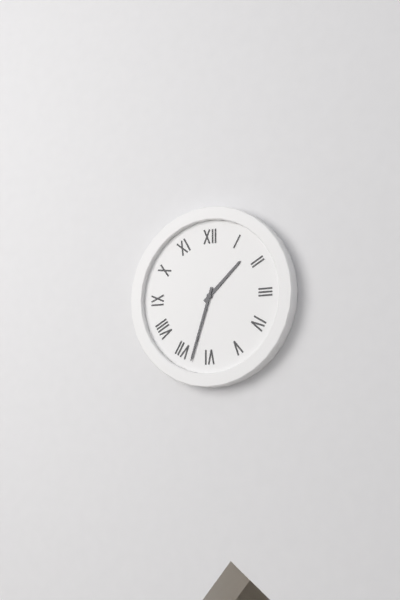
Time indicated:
1 h 33 min
